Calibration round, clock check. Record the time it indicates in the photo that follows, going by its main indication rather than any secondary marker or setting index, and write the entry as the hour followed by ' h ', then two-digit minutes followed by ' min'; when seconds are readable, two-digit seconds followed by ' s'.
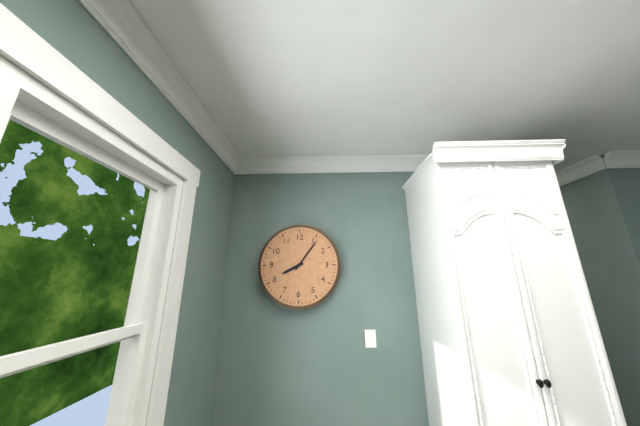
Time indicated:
8 h 06 min
